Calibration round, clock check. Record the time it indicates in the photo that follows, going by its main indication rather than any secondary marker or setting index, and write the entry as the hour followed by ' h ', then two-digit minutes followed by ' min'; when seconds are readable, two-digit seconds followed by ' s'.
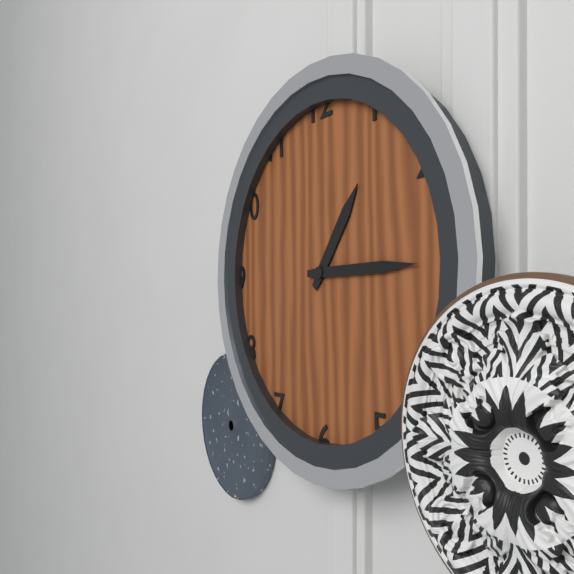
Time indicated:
1 h 15 min
